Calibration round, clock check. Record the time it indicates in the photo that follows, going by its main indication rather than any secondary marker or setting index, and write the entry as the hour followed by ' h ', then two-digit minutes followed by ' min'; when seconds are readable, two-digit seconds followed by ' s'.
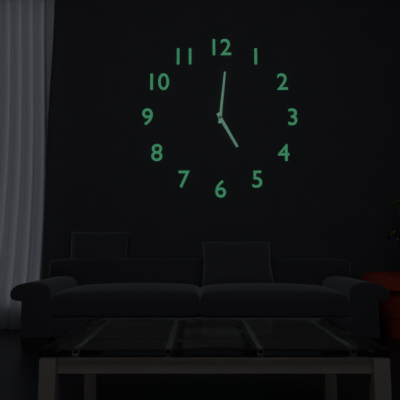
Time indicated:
5 h 01 min
